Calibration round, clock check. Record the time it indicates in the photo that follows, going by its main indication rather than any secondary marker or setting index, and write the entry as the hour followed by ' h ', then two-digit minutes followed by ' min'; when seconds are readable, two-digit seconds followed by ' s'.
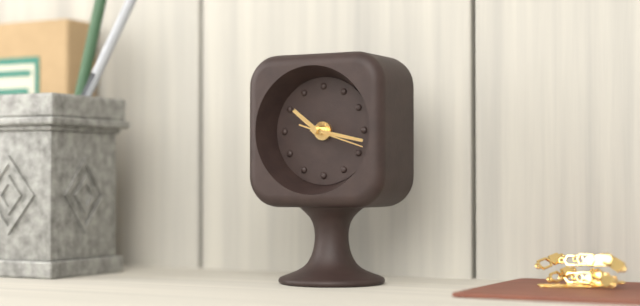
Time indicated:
10 h 17 min
